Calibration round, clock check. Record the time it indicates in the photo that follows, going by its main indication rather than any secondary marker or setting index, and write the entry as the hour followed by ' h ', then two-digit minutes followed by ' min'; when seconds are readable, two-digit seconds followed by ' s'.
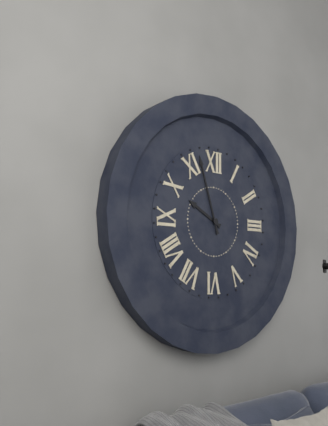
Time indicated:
9 h 57 min
